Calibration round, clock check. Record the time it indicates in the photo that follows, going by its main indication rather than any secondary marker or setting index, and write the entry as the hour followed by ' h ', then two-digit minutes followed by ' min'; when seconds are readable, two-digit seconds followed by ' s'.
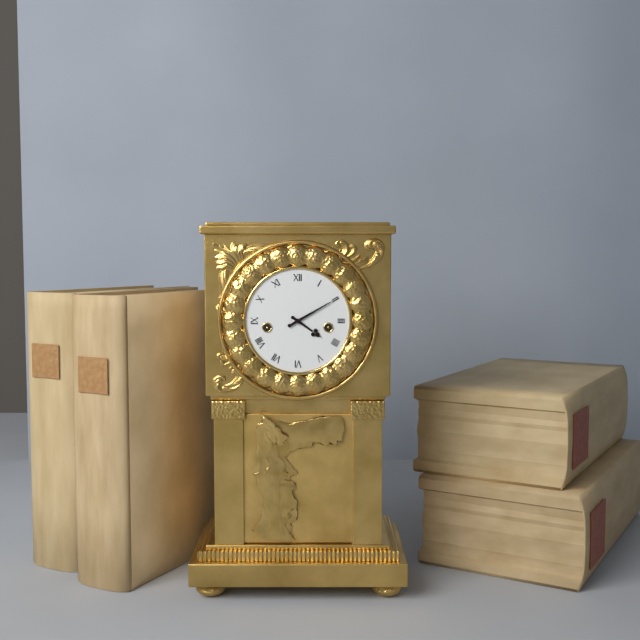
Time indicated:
4 h 10 min
